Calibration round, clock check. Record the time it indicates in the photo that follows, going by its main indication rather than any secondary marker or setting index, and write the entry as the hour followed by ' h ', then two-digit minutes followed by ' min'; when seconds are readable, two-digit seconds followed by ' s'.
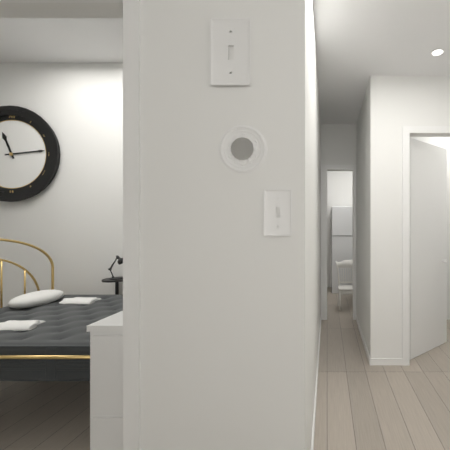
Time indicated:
11 h 14 min
